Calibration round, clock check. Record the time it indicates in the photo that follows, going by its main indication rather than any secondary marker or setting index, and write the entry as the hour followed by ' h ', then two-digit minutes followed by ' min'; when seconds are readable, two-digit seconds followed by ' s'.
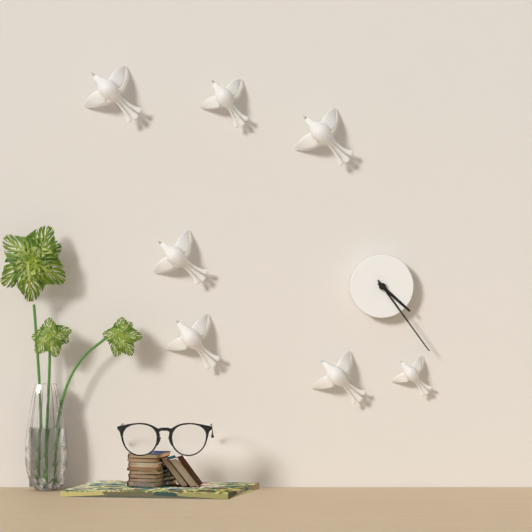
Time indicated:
4 h 24 min
